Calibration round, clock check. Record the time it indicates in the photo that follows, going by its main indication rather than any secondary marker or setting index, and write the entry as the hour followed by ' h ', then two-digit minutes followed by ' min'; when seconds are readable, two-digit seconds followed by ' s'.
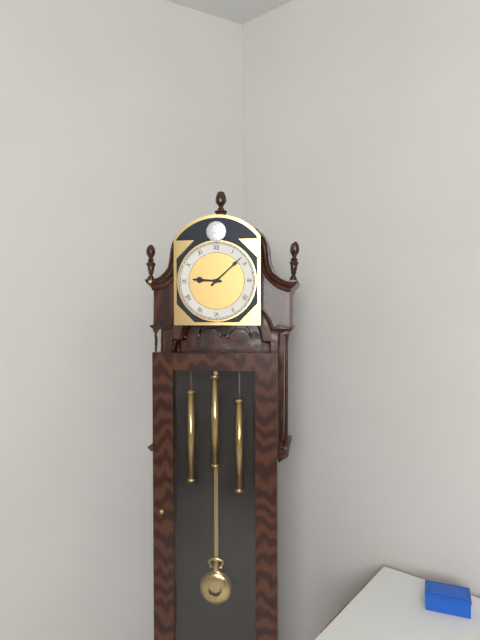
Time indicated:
9 h 08 min
